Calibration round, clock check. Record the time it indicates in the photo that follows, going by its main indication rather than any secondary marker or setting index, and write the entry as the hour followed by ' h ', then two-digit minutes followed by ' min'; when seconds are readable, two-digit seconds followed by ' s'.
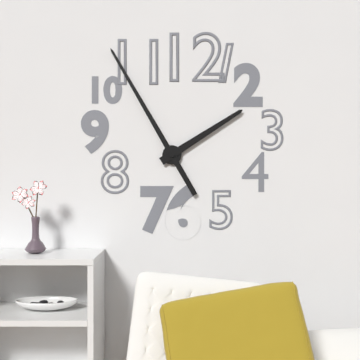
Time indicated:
1 h 55 min
